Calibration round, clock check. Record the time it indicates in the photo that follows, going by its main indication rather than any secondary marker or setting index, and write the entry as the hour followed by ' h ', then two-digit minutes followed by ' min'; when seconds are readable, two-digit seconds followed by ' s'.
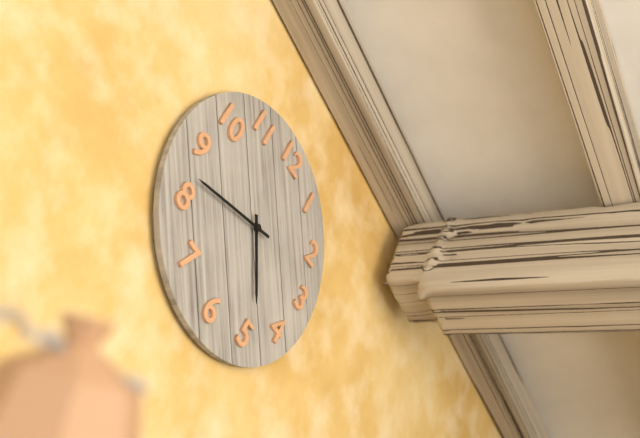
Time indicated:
4 h 42 min
